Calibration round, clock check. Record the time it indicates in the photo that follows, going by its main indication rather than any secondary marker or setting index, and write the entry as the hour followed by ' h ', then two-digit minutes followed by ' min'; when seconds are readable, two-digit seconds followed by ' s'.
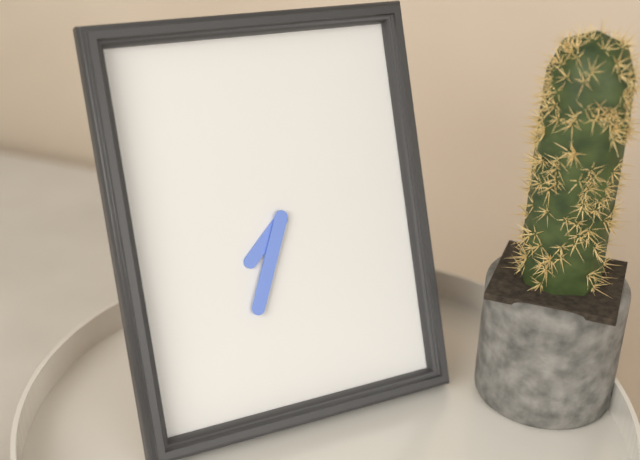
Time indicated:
7 h 34 min
